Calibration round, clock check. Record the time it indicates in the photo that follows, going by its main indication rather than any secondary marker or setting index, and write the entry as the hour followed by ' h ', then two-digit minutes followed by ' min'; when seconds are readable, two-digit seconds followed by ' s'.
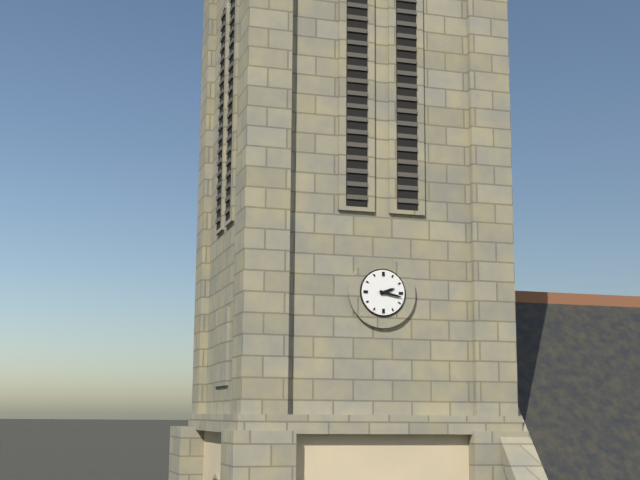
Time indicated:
2 h 17 min
